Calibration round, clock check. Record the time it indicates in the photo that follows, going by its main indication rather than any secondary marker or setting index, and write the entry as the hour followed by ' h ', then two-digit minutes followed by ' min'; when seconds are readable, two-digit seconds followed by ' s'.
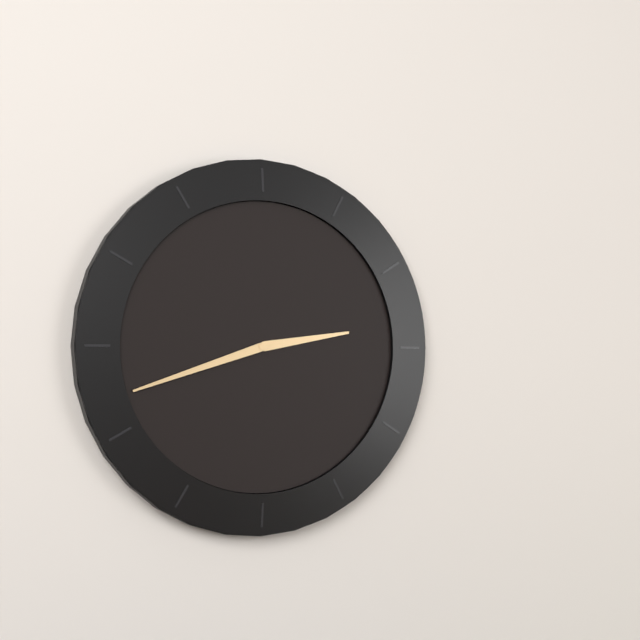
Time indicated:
2 h 42 min
